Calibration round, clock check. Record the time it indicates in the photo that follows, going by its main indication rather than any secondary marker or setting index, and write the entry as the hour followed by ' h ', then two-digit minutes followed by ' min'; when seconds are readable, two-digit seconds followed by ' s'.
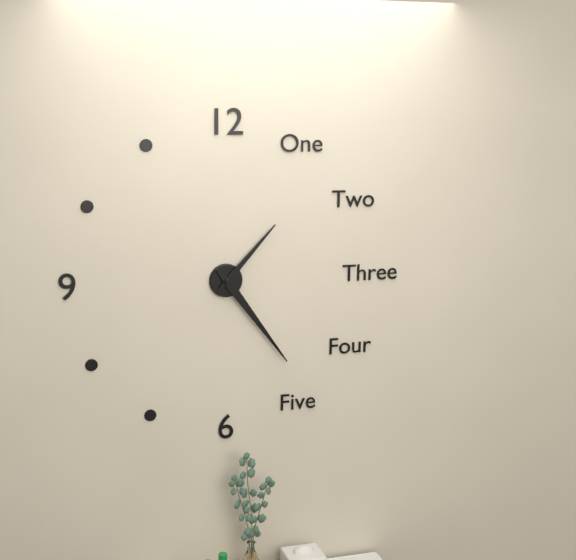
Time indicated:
1 h 24 min
